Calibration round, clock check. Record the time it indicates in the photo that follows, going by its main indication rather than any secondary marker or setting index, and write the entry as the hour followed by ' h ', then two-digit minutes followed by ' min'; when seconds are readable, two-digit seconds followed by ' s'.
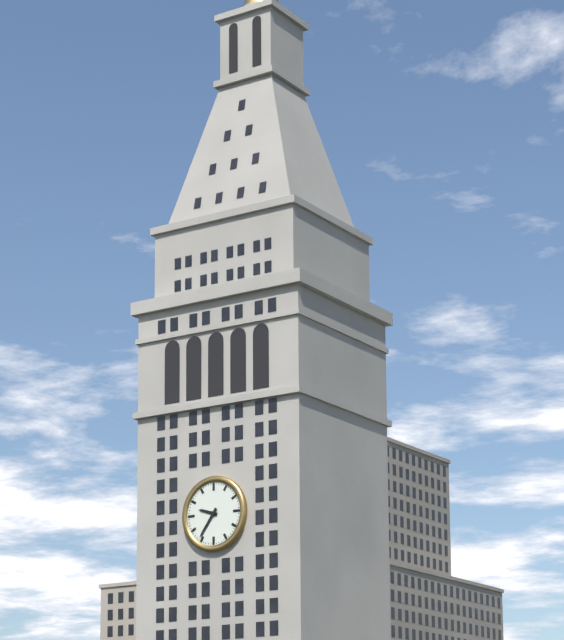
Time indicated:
9 h 36 min
